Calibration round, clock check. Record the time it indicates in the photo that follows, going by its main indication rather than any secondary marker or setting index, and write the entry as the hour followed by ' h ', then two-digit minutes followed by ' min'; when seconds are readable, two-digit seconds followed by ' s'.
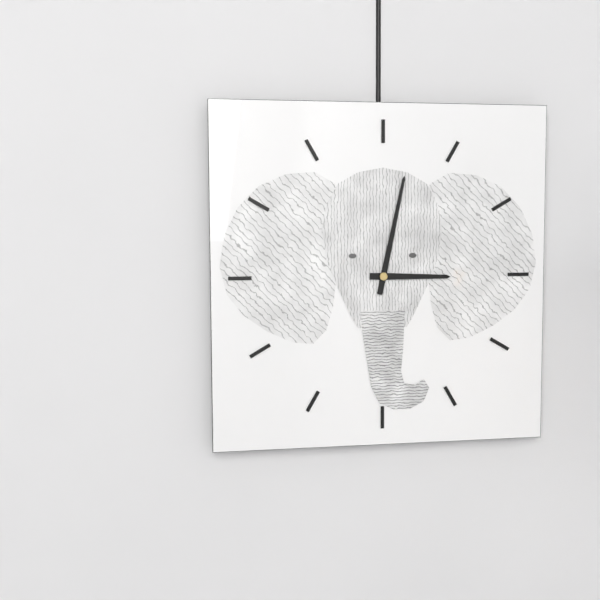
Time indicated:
3 h 02 min
